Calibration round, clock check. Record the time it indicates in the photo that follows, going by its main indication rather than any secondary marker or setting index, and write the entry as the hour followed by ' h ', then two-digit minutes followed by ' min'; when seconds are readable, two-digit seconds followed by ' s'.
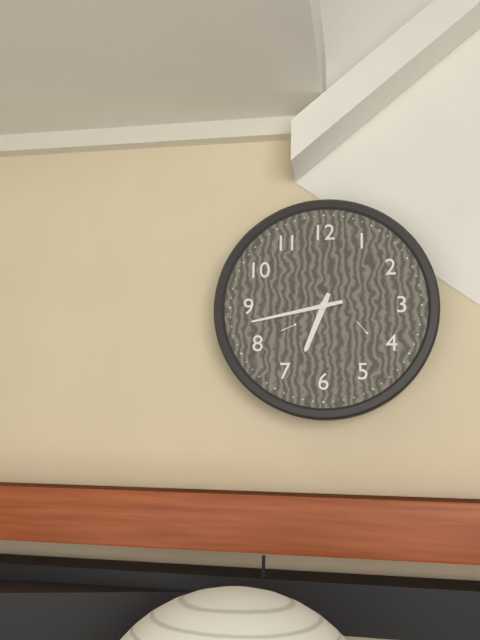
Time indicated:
6 h 43 min
